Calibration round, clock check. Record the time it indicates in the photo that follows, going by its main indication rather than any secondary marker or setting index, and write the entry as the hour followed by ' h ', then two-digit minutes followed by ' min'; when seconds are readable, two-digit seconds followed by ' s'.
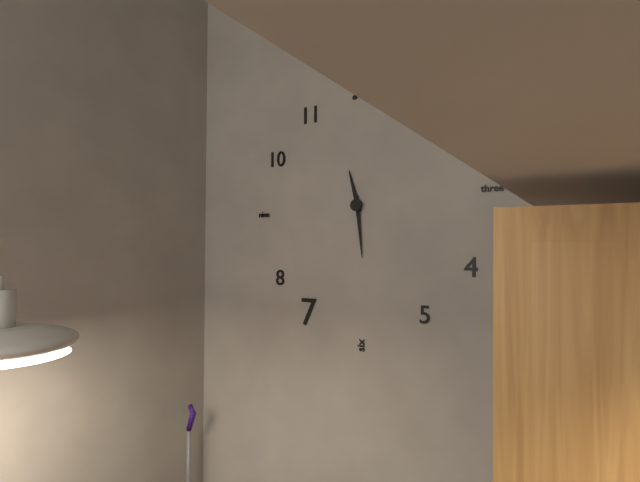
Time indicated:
11 h 29 min
